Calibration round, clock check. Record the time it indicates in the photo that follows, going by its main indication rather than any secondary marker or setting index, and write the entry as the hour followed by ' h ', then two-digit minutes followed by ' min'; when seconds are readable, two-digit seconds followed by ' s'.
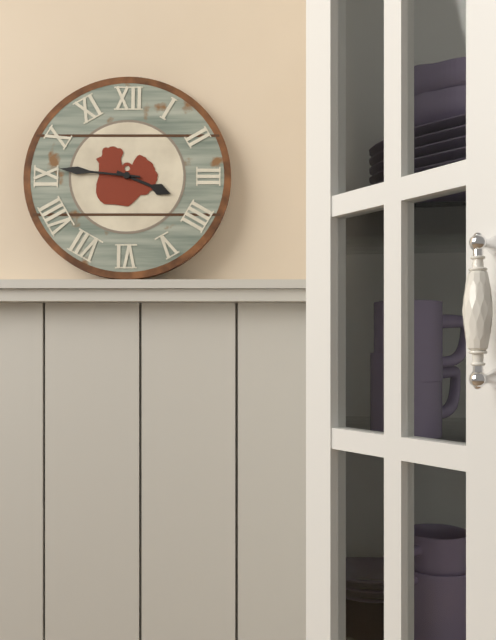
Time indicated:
3 h 46 min
